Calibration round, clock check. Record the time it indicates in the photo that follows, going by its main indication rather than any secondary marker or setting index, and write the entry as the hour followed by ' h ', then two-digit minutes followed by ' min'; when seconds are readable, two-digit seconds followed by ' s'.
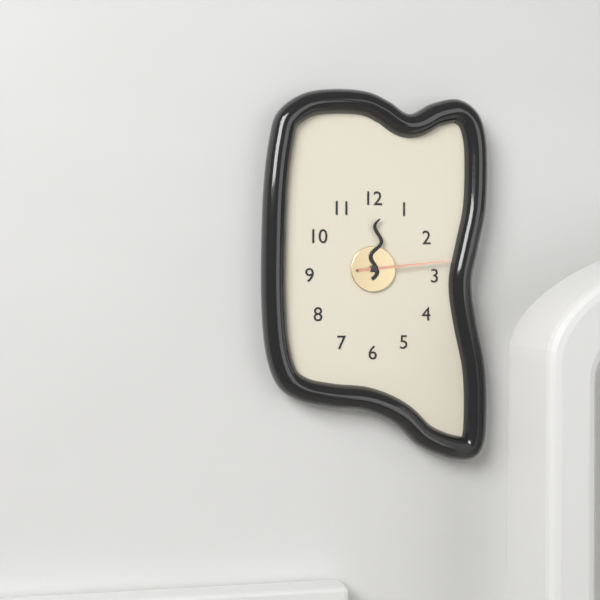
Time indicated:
12 h 14 min
